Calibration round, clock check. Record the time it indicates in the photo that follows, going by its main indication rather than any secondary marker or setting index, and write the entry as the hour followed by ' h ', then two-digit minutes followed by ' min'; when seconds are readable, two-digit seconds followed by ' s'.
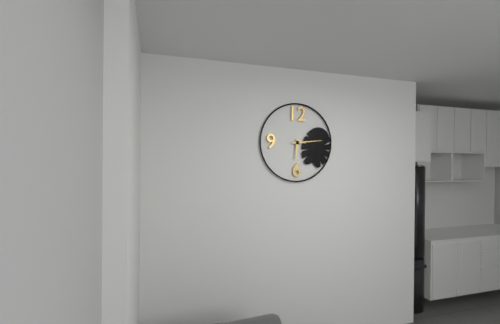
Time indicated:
6 h 14 min
